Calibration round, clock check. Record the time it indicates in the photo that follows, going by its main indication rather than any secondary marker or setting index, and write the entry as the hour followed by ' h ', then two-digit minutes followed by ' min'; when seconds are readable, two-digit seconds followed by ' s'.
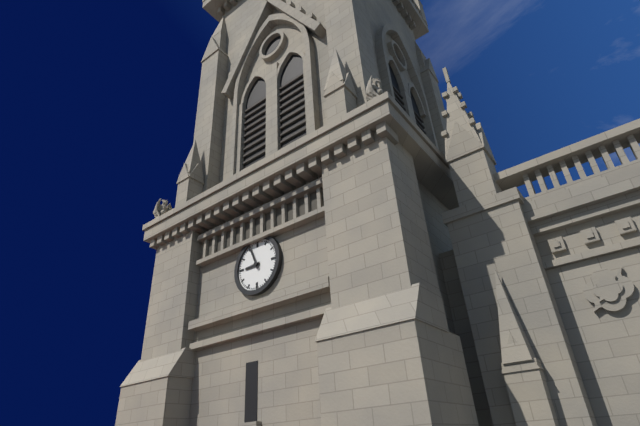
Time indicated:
8 h 56 min
